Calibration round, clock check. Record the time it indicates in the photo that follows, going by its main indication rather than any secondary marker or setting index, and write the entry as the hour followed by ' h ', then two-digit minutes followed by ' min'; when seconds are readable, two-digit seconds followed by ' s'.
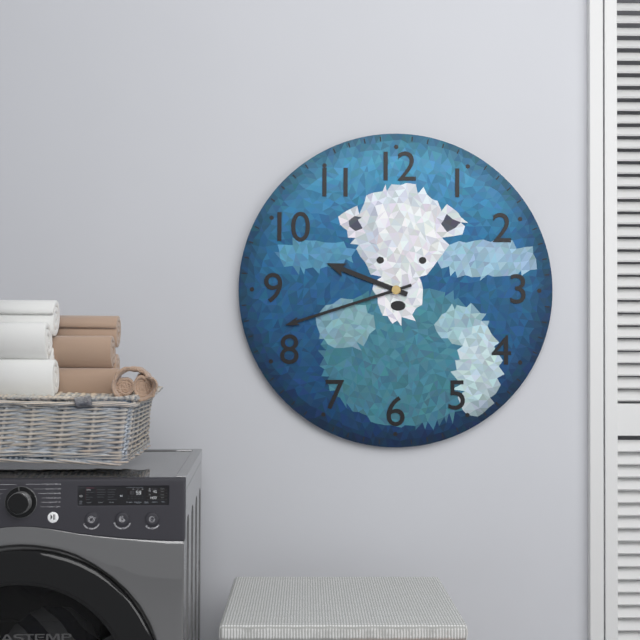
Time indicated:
9 h 42 min
